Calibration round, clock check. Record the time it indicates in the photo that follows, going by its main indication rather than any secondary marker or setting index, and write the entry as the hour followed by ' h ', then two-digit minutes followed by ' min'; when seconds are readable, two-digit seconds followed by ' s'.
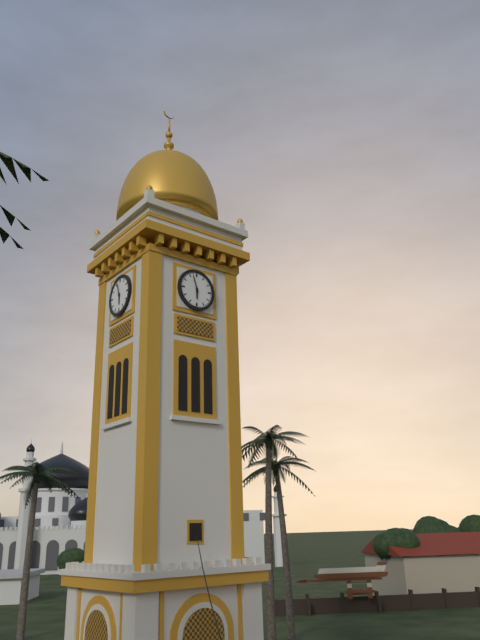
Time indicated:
5 h 57 min
